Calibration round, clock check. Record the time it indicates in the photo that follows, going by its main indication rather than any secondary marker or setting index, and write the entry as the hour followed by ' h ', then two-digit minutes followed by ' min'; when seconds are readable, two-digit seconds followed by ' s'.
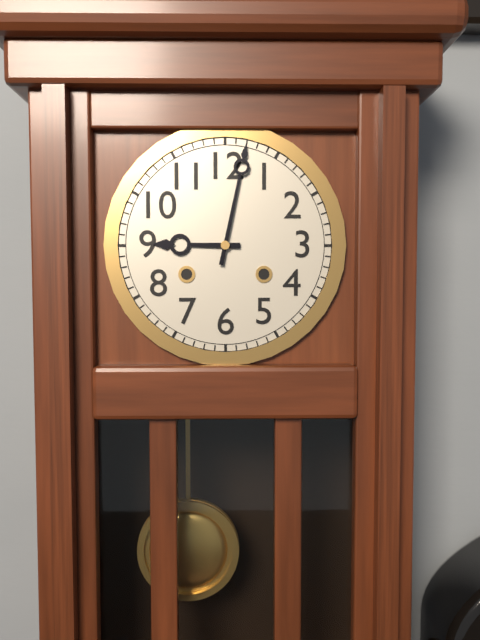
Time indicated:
9 h 02 min
